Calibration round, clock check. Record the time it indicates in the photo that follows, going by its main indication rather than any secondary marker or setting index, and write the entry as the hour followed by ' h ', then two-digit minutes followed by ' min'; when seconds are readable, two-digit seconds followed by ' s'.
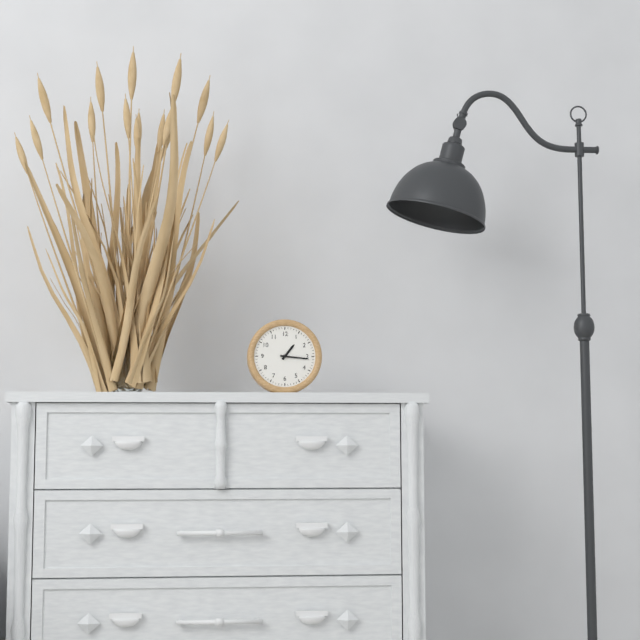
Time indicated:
1 h 16 min
